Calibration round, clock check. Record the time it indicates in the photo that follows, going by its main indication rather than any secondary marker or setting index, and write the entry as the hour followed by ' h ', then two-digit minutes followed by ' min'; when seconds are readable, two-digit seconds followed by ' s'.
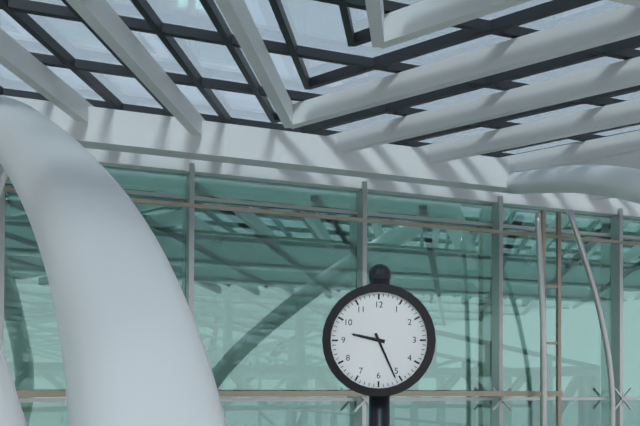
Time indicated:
9 h 26 min
